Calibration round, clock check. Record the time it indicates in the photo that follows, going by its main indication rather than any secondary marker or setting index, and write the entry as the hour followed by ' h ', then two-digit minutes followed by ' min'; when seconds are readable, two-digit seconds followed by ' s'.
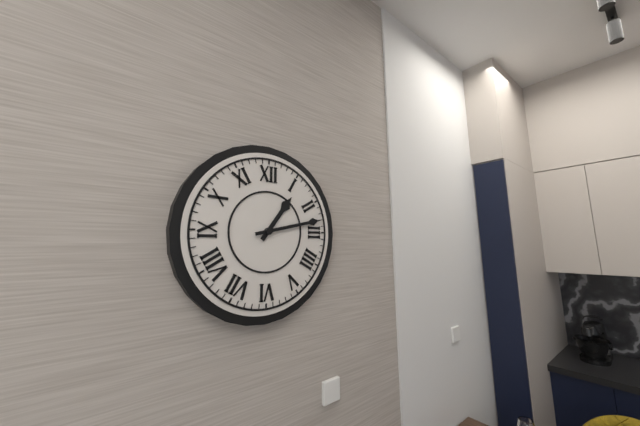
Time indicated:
1 h 13 min
